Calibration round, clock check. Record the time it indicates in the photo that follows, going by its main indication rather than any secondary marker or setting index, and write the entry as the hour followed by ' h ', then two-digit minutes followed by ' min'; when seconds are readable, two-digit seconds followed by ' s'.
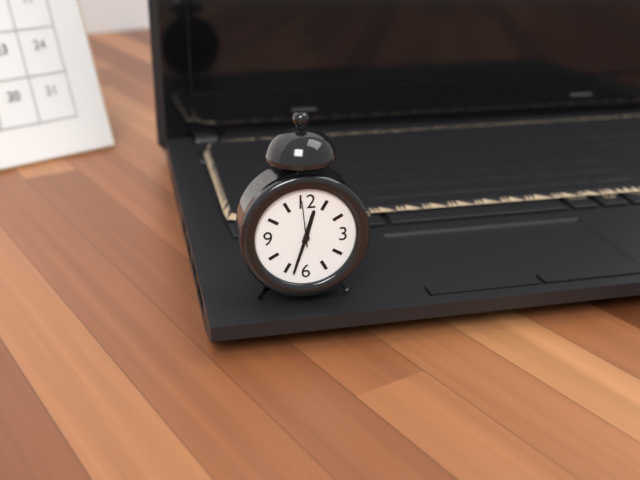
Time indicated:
12 h 33 min
